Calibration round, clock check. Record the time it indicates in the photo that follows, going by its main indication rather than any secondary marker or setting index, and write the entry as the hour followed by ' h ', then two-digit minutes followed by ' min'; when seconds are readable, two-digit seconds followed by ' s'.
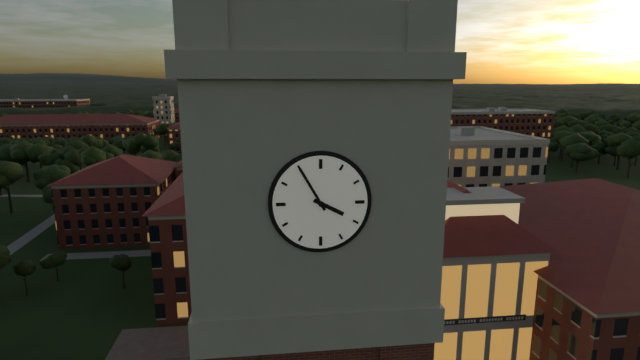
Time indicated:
3 h 55 min
